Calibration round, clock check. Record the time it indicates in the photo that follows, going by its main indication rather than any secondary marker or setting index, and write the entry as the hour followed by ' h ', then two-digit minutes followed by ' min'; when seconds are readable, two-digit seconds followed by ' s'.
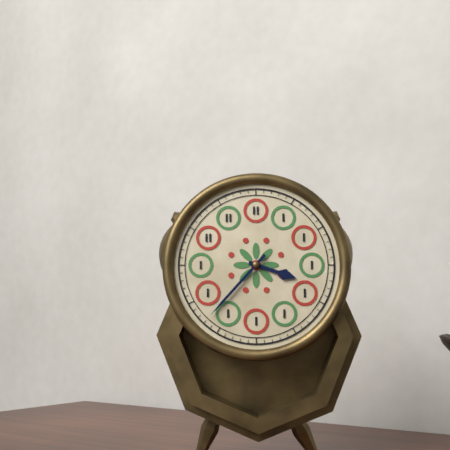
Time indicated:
3 h 37 min
